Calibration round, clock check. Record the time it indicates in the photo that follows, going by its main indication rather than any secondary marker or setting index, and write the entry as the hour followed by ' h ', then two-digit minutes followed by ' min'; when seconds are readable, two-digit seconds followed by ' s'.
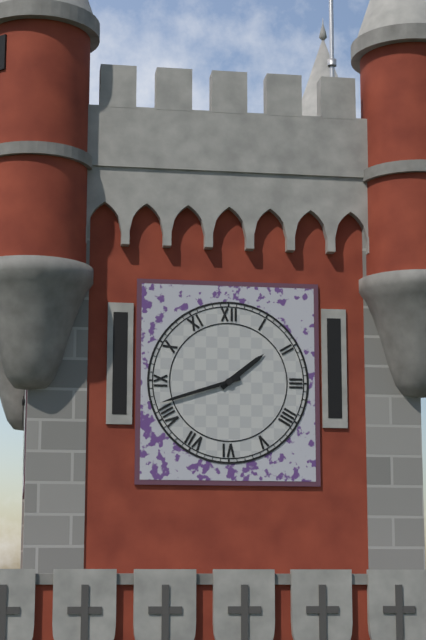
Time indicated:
1 h 42 min
